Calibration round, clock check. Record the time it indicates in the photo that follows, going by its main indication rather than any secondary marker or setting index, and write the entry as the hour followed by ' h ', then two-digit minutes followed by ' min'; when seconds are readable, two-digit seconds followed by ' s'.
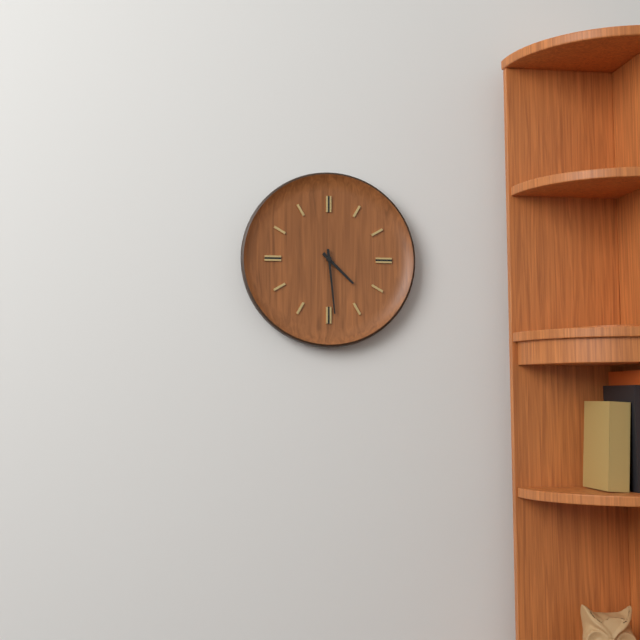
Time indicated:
4 h 29 min
